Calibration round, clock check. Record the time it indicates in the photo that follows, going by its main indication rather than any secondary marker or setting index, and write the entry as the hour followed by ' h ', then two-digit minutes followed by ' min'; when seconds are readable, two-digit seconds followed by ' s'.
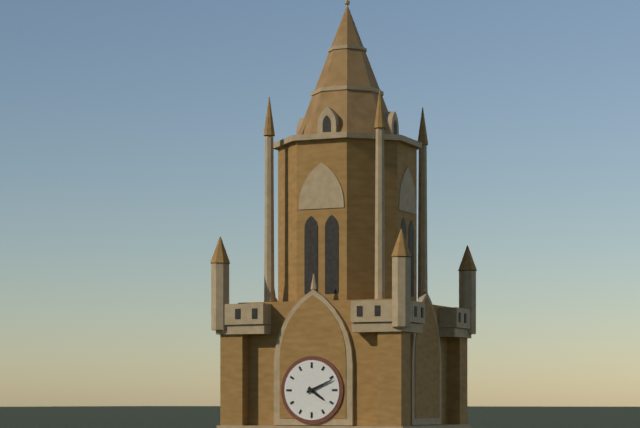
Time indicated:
4 h 11 min
